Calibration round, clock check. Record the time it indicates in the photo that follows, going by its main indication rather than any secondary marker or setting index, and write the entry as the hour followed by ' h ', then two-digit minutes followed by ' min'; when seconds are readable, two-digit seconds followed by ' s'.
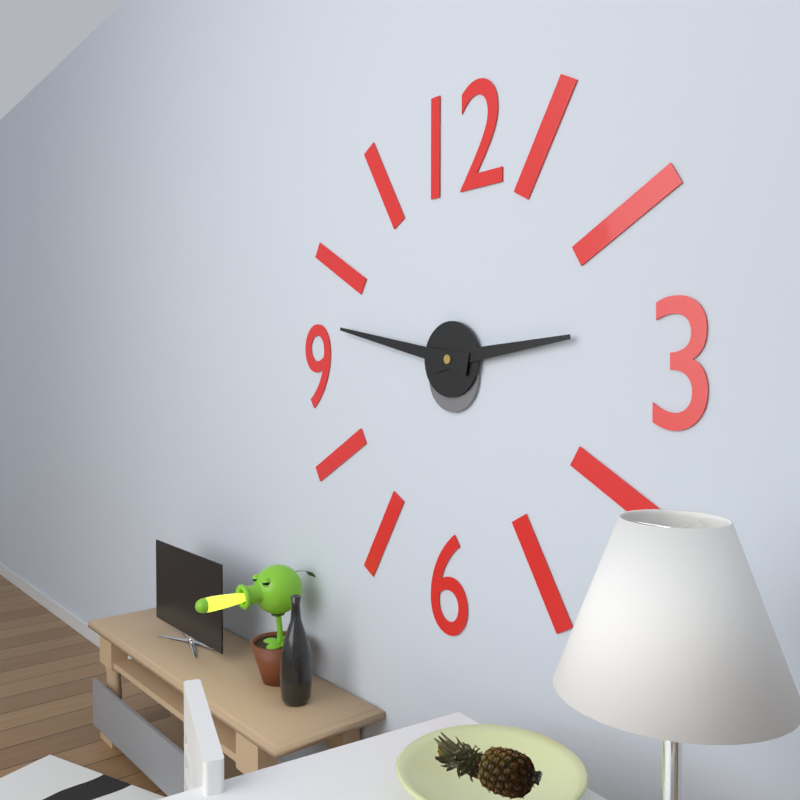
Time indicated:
2 h 47 min
